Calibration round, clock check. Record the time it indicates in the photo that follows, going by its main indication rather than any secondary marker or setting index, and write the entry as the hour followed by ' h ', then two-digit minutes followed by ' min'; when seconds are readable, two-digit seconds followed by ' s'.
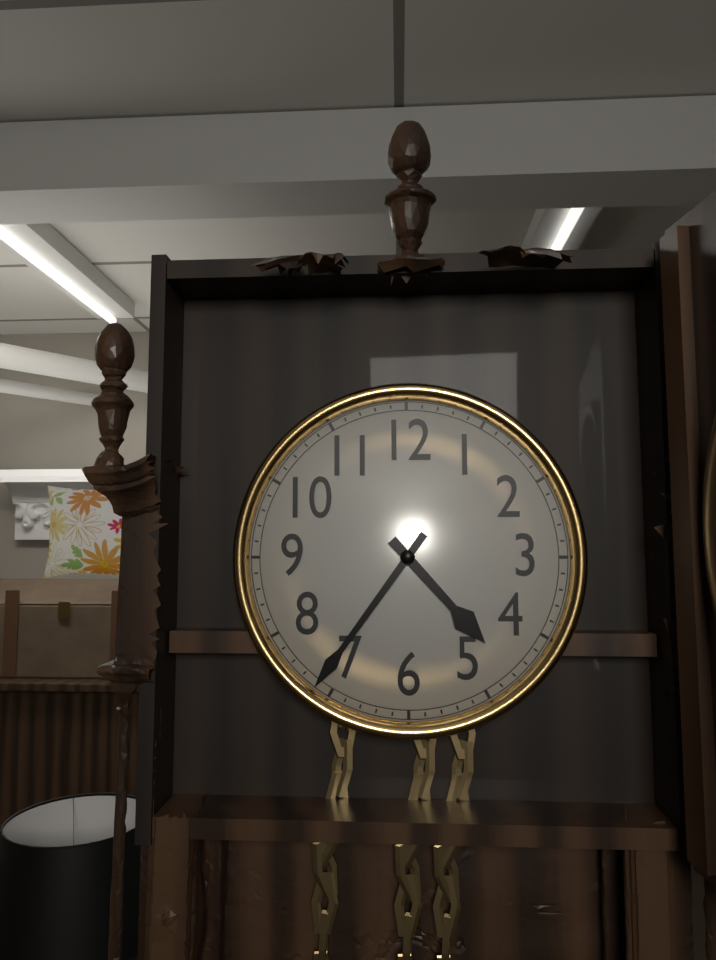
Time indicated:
4 h 36 min
